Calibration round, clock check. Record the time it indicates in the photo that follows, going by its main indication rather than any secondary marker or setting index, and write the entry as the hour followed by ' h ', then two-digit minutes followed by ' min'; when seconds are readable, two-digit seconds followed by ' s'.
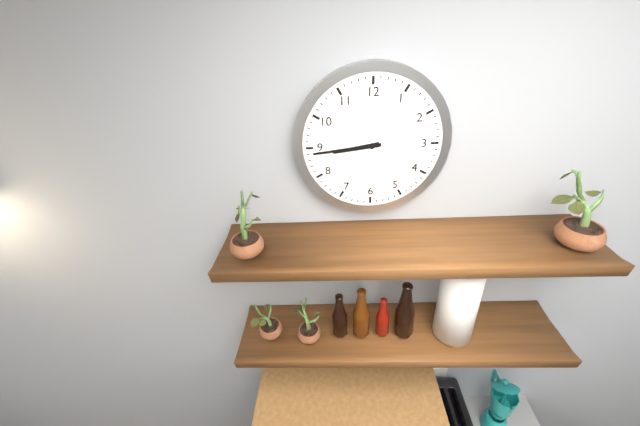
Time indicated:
8 h 44 min
